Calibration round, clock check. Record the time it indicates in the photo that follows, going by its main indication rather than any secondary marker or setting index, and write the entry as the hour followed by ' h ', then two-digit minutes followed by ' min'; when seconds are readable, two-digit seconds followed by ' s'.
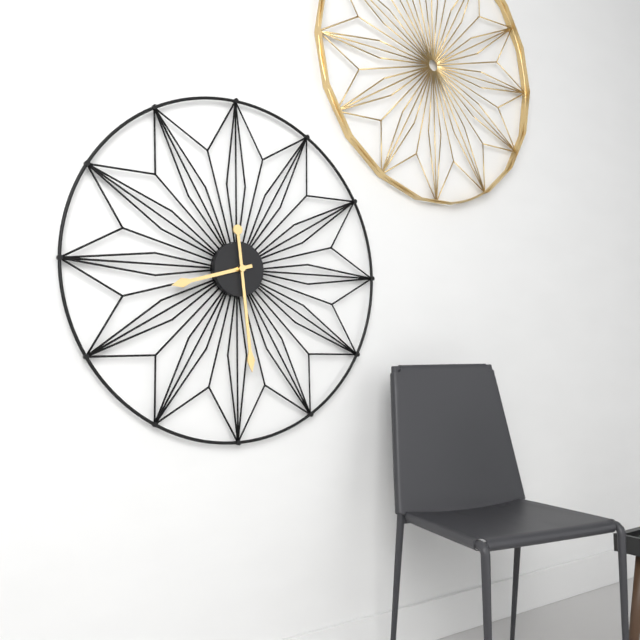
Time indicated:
8 h 29 min
